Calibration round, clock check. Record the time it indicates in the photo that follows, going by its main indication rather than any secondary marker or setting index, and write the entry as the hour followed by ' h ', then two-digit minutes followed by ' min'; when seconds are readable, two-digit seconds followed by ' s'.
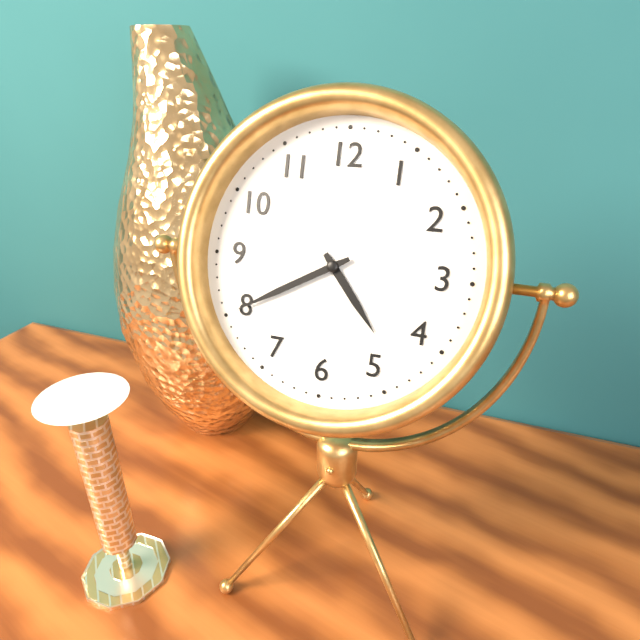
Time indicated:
4 h 40 min
